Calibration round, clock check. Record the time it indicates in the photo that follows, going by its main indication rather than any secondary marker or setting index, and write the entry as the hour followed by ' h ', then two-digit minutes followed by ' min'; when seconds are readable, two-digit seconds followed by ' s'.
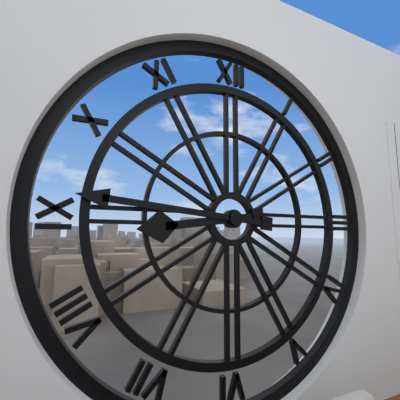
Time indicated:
8 h 46 min
